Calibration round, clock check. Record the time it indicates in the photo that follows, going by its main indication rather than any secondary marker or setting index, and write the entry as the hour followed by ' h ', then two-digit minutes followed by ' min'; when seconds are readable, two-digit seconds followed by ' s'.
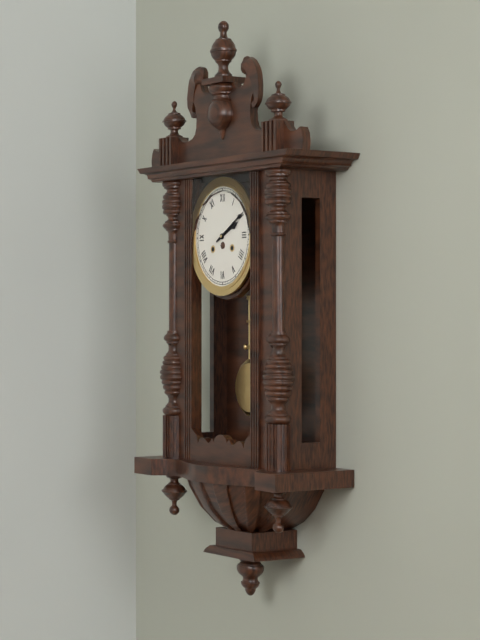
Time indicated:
2 h 10 min
